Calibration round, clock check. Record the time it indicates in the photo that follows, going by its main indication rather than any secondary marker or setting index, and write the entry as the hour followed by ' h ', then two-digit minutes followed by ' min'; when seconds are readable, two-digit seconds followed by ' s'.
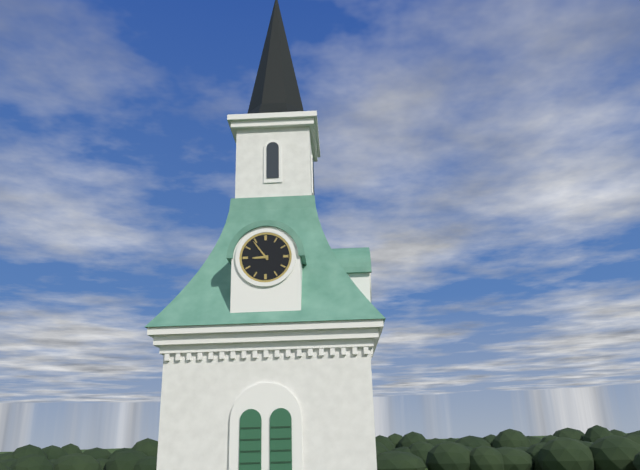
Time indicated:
8 h 54 min
